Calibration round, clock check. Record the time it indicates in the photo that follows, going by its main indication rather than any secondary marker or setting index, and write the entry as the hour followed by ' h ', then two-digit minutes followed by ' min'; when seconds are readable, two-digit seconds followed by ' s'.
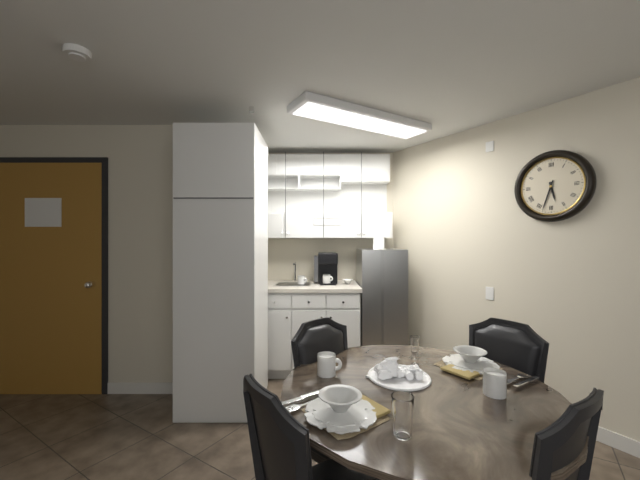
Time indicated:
5 h 33 min
